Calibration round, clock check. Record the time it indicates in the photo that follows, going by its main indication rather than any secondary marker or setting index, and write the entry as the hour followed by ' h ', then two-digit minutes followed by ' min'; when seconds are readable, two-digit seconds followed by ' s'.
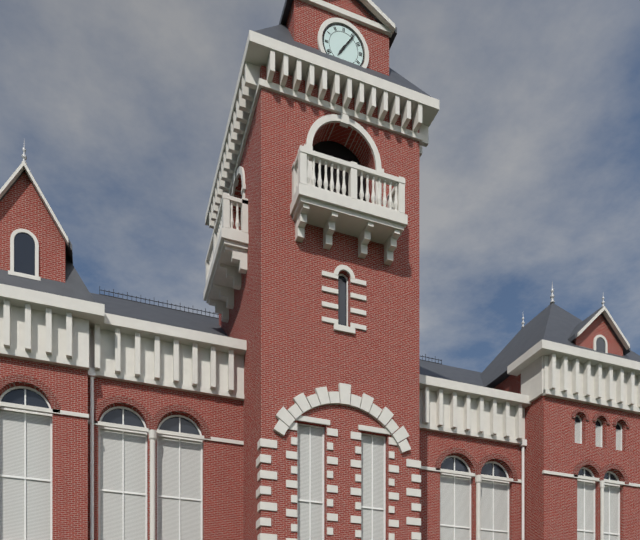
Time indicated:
7 h 06 min
